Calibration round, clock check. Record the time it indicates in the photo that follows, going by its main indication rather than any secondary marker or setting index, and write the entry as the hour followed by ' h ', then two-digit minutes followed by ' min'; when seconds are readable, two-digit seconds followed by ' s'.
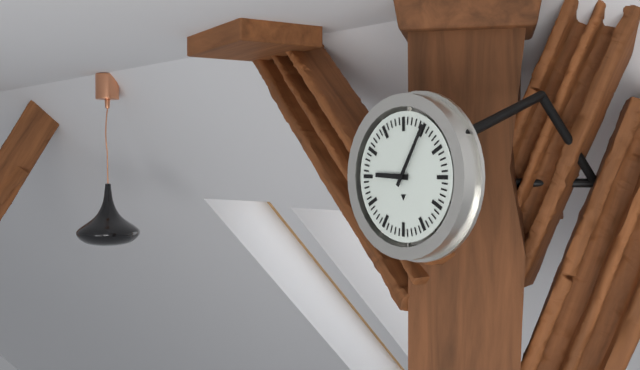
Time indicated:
9 h 05 min
